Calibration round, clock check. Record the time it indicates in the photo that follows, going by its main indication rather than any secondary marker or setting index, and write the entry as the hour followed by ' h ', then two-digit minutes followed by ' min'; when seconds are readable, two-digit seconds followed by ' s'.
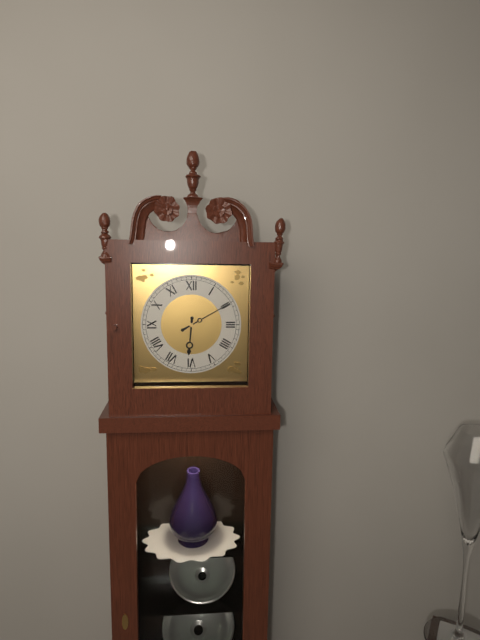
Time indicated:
6 h 10 min
